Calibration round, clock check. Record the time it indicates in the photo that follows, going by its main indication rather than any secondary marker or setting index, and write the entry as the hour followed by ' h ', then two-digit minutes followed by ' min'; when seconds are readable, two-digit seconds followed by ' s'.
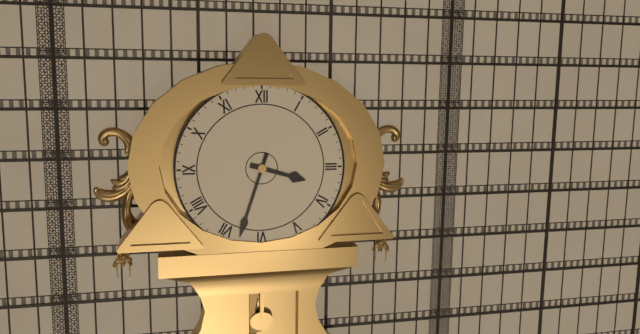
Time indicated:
3 h 33 min
